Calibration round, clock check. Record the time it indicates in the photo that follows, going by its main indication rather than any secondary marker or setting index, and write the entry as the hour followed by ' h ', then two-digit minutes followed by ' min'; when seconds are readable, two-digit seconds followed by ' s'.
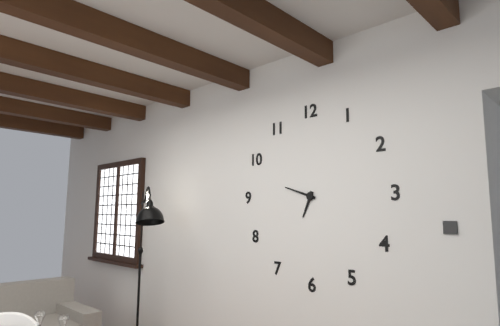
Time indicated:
6 h 48 min
